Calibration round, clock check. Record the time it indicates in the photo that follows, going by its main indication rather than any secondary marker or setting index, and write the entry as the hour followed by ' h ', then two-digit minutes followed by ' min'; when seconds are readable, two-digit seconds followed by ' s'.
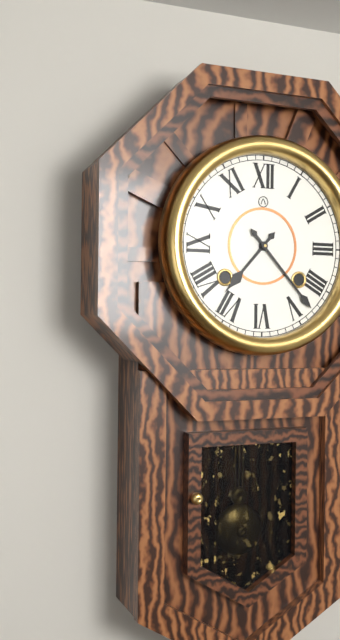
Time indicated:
7 h 23 min
